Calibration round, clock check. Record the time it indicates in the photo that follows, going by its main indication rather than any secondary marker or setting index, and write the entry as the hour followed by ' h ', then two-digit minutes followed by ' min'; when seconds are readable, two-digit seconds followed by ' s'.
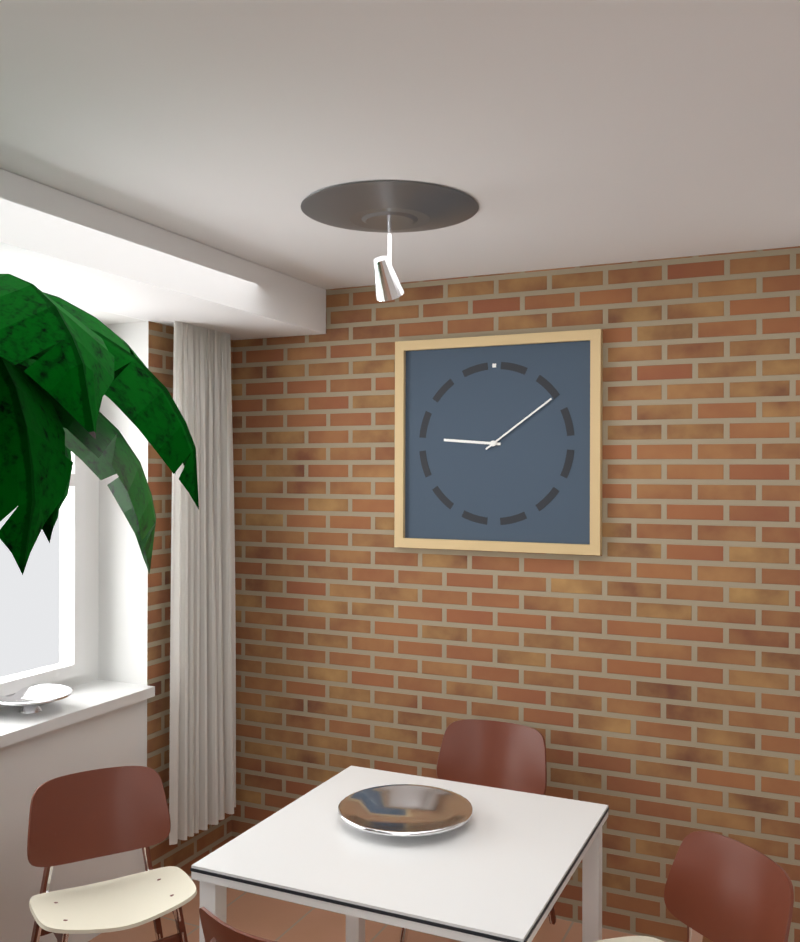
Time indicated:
9 h 09 min
